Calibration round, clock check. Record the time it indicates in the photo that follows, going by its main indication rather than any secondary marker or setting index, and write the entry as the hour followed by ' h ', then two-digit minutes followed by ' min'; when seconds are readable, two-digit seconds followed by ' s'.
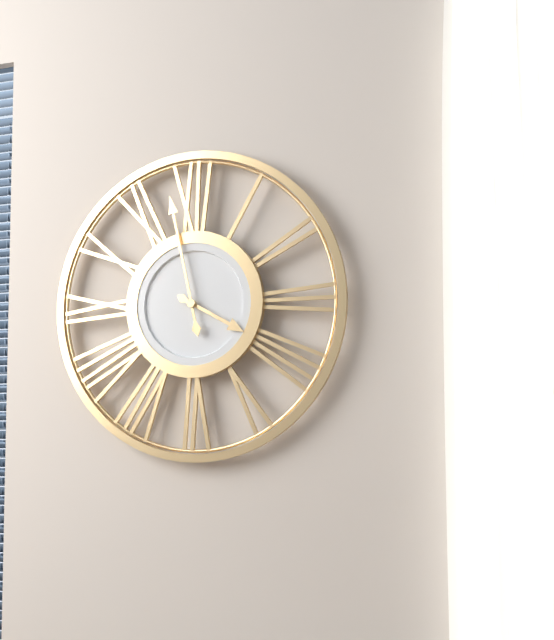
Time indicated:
3 h 58 min
